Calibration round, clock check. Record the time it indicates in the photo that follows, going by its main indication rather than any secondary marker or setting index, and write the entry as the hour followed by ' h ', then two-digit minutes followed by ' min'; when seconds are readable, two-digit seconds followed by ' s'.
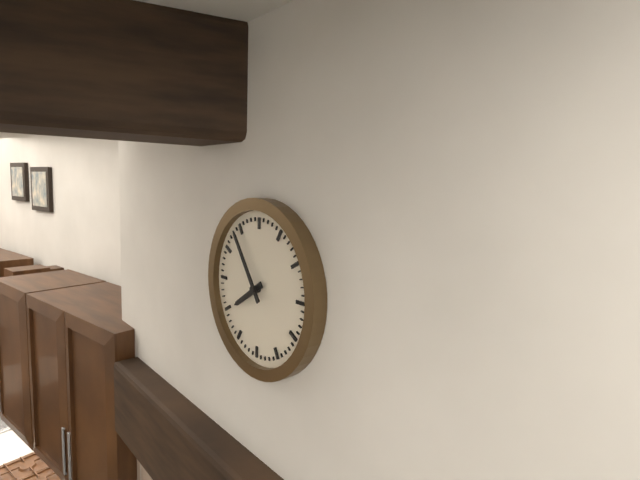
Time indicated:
7 h 54 min
